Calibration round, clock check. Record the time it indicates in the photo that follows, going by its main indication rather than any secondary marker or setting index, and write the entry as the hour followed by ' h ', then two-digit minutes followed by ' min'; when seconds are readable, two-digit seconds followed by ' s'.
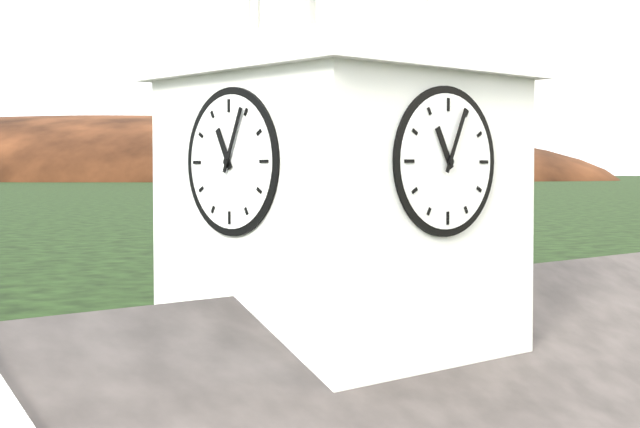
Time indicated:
11 h 04 min
